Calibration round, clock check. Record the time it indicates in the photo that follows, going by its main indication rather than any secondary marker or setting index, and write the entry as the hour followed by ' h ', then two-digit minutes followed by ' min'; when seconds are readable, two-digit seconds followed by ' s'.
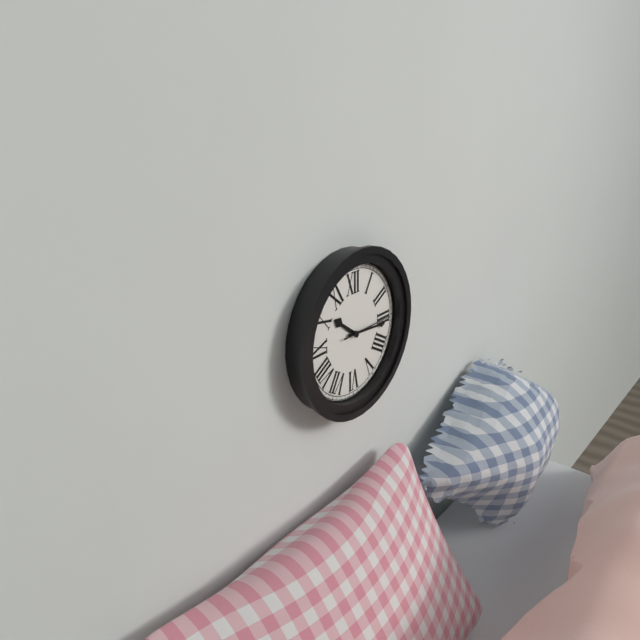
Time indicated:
10 h 16 min
